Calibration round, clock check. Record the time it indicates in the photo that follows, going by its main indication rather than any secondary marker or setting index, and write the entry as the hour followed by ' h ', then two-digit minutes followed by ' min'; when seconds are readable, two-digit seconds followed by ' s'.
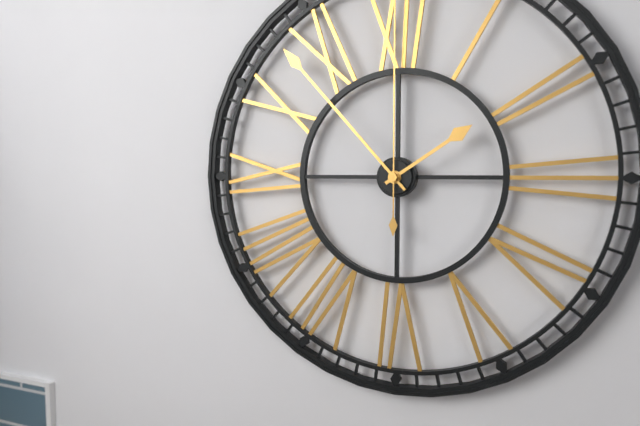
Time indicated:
1 h 53 min
